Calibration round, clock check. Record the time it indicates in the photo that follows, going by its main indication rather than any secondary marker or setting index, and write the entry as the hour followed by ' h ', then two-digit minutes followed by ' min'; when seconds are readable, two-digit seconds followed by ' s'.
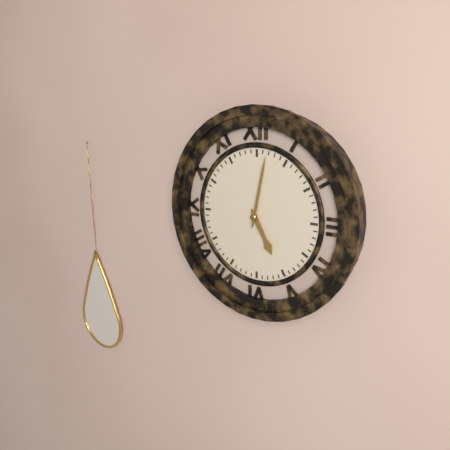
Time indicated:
5 h 02 min
